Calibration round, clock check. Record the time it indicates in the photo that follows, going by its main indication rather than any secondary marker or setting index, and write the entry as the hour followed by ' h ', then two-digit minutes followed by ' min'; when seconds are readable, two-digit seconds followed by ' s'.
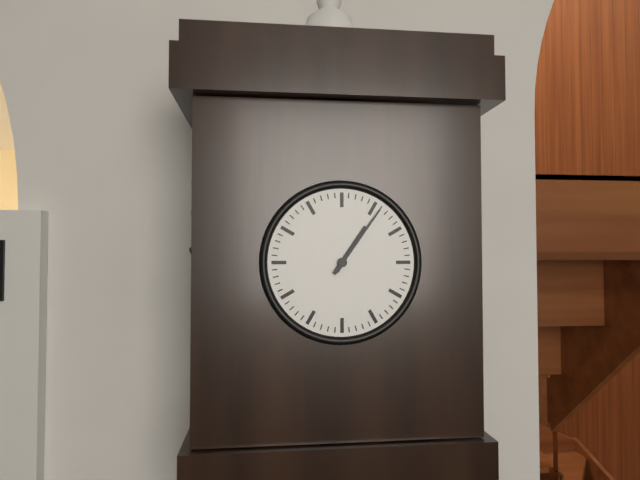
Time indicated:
1 h 06 min
